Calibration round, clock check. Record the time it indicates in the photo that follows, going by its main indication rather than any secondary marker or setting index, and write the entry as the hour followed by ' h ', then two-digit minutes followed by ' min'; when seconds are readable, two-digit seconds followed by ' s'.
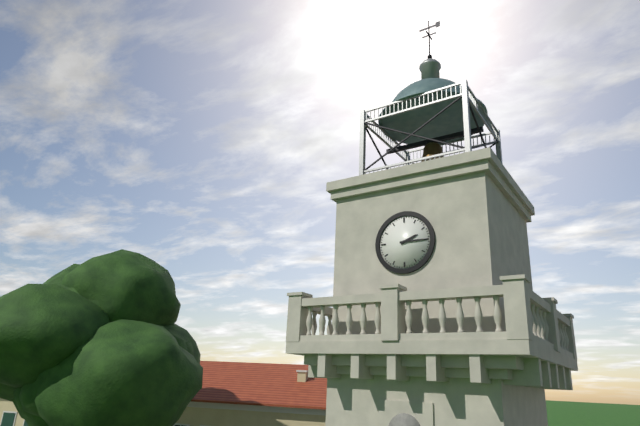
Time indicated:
2 h 15 min
